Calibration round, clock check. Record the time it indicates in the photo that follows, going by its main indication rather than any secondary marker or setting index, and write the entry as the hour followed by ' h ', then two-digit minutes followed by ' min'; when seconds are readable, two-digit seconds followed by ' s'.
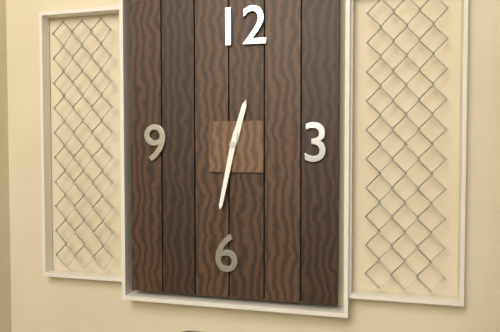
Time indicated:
12 h 32 min
